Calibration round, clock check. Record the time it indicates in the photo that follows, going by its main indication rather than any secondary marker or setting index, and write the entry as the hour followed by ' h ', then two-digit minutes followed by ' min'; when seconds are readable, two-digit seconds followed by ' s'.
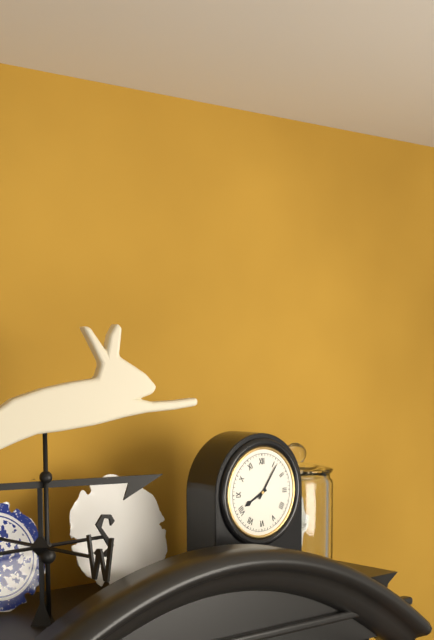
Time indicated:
8 h 06 min
